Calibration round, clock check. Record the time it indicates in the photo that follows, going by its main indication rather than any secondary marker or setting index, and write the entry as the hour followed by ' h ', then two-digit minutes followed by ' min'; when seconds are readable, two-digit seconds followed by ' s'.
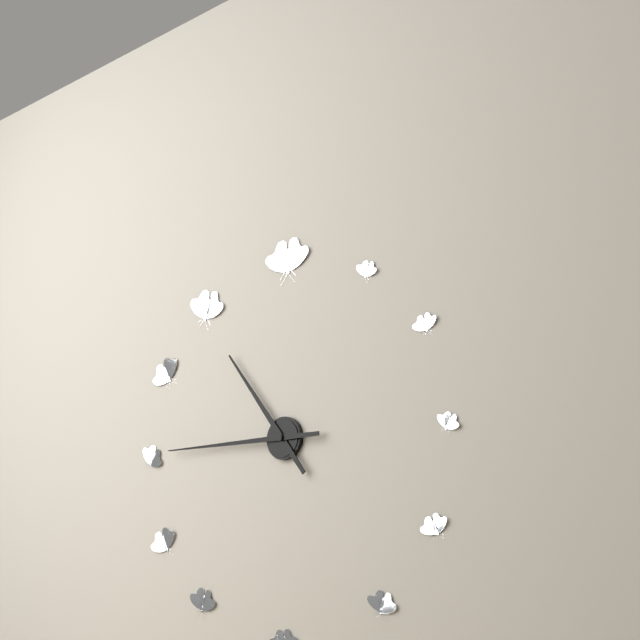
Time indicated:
10 h 45 min
